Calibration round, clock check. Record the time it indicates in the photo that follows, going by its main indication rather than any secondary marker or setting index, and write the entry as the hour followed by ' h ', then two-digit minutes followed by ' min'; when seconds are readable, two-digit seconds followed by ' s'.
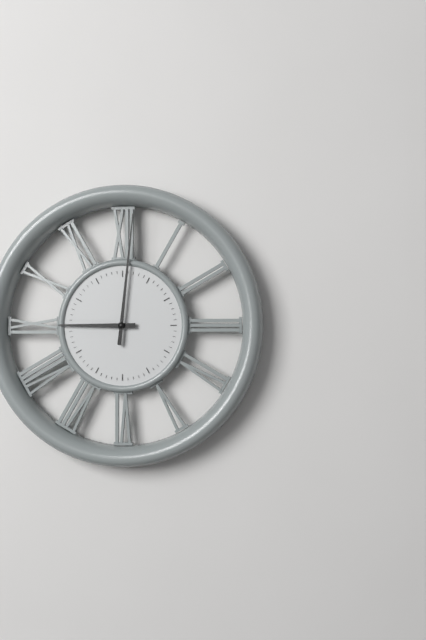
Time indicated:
9 h 01 min
